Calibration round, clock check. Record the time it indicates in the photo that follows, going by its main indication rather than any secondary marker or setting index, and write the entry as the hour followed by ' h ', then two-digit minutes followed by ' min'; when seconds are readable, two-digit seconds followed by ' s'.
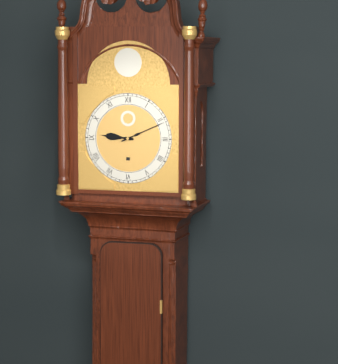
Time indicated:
9 h 11 min
